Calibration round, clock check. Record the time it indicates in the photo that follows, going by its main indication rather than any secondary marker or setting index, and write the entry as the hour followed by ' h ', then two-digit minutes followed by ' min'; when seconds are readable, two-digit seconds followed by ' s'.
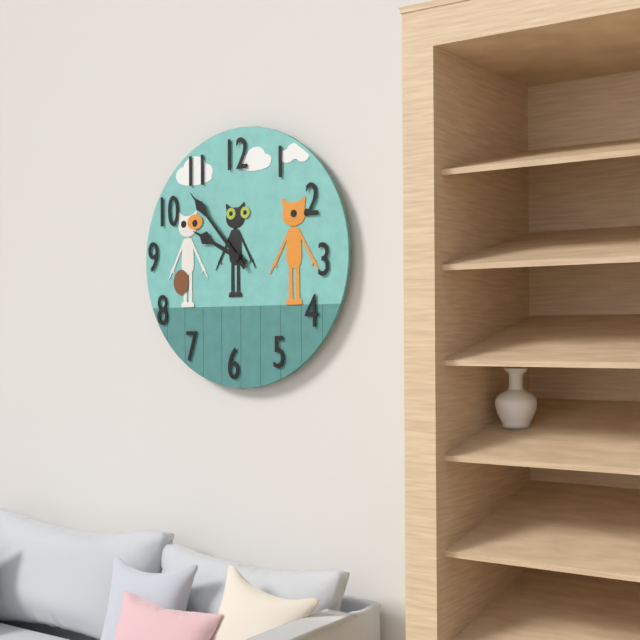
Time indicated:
9 h 53 min
